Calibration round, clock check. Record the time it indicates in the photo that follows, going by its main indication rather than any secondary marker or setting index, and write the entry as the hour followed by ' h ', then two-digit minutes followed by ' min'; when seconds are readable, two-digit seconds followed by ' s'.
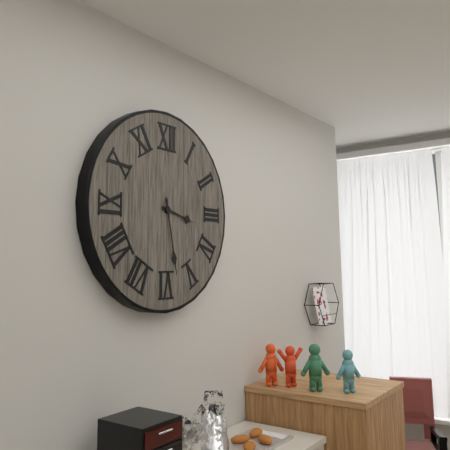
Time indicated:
3 h 28 min
